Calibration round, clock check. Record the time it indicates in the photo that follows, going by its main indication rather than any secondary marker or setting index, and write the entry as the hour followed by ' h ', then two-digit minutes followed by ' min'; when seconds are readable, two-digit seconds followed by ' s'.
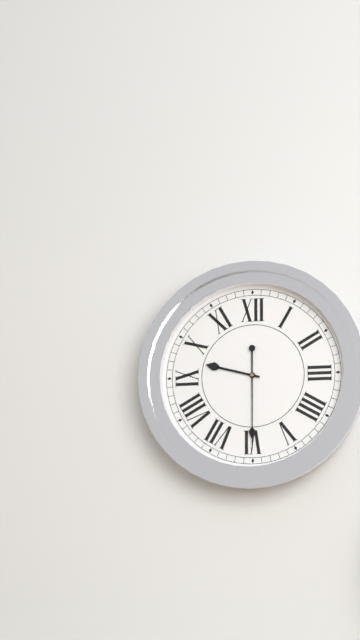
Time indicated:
9 h 30 min
